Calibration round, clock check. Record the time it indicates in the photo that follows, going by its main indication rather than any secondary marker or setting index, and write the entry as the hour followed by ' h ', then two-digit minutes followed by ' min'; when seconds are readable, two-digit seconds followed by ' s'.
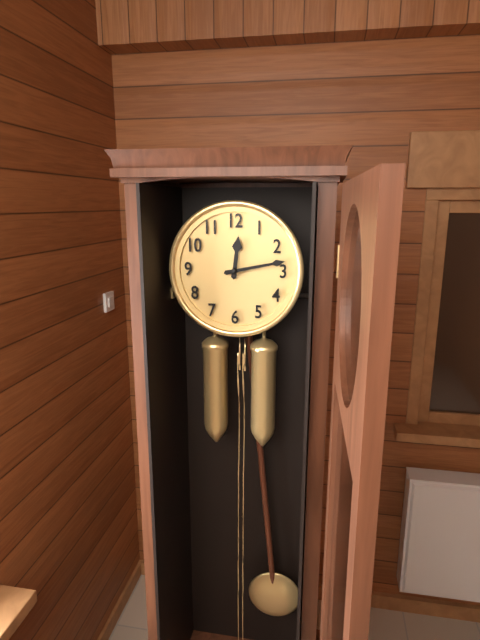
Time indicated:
12 h 13 min
